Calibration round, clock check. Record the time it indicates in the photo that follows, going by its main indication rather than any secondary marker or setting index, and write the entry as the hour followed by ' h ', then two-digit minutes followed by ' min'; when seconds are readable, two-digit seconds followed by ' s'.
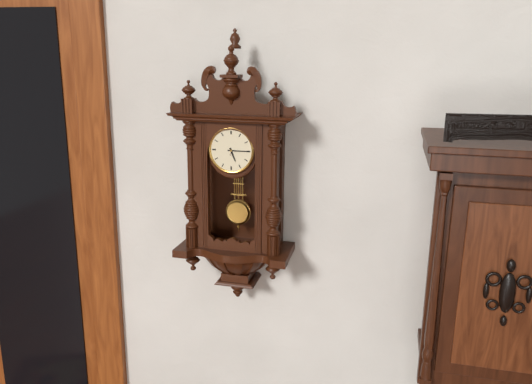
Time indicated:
5 h 15 min
